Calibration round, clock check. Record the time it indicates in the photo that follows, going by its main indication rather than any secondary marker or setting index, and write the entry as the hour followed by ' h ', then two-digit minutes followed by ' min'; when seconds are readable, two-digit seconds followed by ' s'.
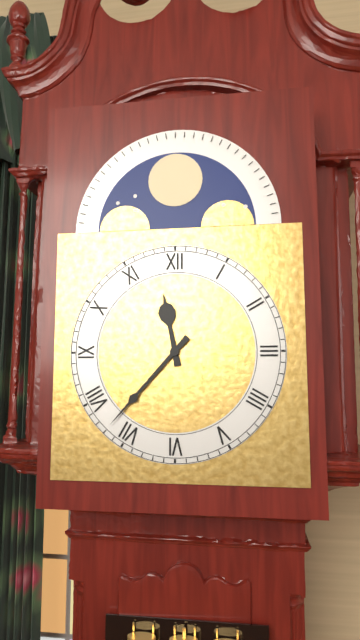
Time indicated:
11 h 37 min
